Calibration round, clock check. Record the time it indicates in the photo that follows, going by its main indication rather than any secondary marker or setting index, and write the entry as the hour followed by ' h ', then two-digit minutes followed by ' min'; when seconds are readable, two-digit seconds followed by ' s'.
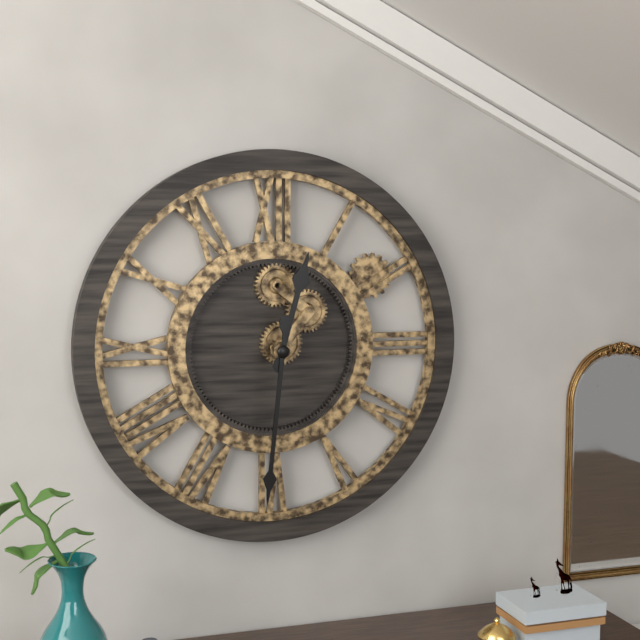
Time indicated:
12 h 31 min
